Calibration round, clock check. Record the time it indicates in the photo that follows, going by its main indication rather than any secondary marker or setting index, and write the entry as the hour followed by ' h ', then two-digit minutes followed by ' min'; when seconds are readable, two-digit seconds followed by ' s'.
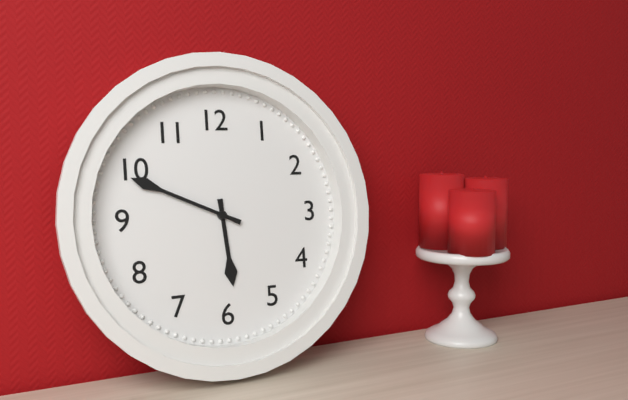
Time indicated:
5 h 49 min
